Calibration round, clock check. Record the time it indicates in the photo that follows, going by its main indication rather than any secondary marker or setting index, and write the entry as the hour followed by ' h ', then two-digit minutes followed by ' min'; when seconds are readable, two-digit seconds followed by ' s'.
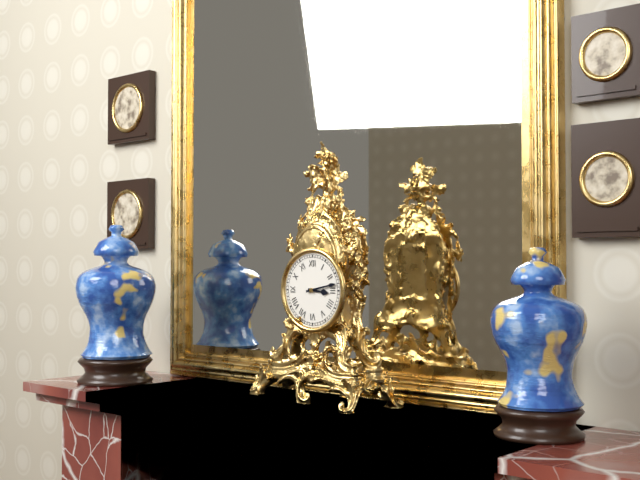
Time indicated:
3 h 13 min
